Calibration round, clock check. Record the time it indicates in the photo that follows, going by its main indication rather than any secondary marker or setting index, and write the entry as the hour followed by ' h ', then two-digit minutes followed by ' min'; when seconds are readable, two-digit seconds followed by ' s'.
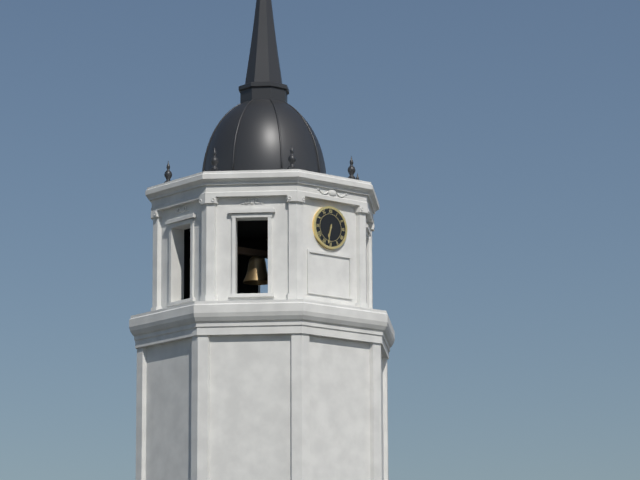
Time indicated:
6 h 32 min
